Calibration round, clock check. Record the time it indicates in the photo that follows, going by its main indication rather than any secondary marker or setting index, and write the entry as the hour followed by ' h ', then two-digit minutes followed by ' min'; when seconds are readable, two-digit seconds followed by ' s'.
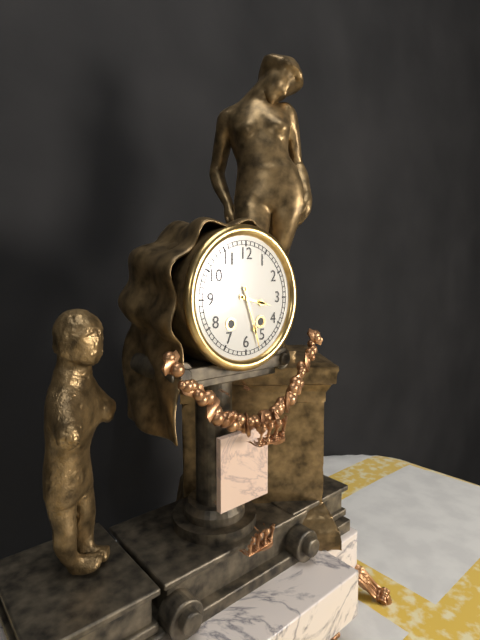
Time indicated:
3 h 27 min
